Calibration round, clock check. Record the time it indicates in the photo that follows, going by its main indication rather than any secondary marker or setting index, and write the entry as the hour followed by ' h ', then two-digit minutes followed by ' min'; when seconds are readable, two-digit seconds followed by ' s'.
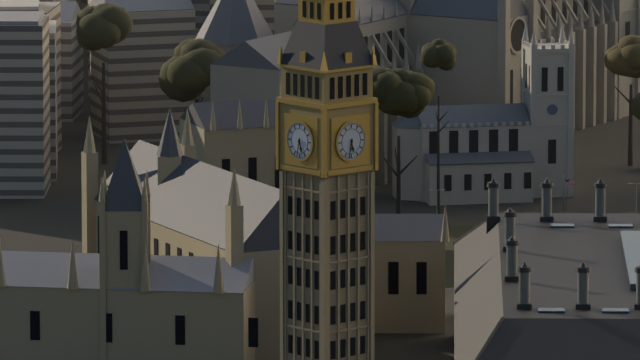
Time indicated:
5 h 32 min
